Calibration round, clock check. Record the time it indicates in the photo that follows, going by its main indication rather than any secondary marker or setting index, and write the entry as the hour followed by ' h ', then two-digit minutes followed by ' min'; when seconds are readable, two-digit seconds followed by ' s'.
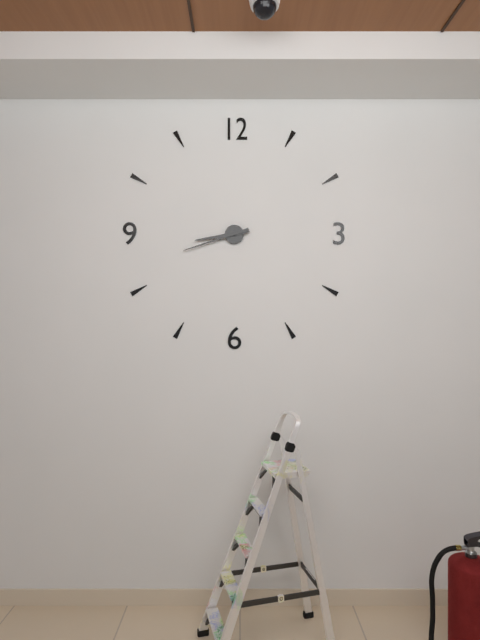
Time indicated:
8 h 42 min
